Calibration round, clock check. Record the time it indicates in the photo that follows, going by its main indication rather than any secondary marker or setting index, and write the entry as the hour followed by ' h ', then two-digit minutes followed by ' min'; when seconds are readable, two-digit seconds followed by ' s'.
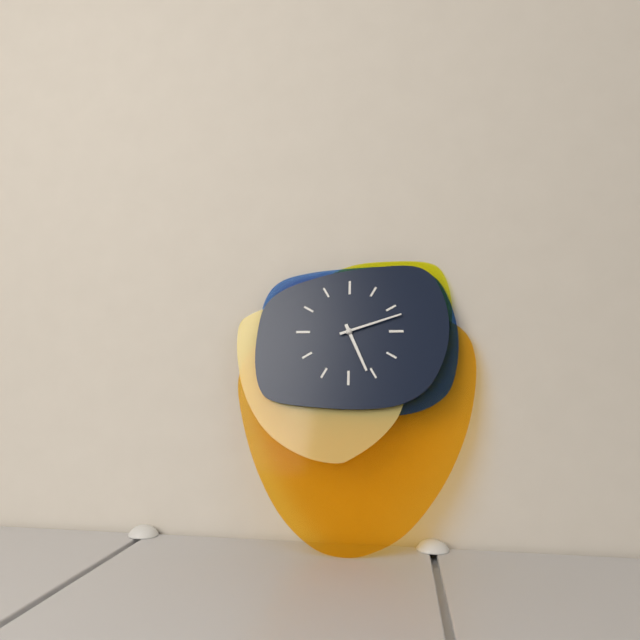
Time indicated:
5 h 12 min
